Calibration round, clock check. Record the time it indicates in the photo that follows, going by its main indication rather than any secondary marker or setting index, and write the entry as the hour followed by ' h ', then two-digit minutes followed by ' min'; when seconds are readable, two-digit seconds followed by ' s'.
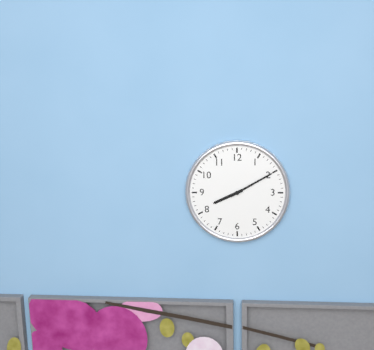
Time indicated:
8 h 10 min
